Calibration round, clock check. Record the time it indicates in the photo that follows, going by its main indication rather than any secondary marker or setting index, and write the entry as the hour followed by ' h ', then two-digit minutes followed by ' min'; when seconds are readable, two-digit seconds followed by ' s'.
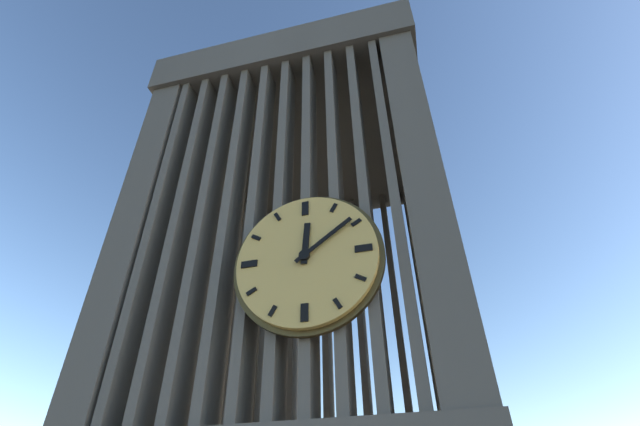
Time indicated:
12 h 09 min
